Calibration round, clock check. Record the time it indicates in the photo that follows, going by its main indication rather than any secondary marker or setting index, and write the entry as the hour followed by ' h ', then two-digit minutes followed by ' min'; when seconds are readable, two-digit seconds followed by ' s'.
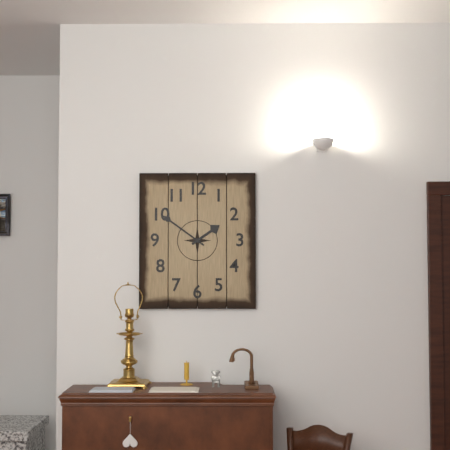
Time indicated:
1 h 51 min
